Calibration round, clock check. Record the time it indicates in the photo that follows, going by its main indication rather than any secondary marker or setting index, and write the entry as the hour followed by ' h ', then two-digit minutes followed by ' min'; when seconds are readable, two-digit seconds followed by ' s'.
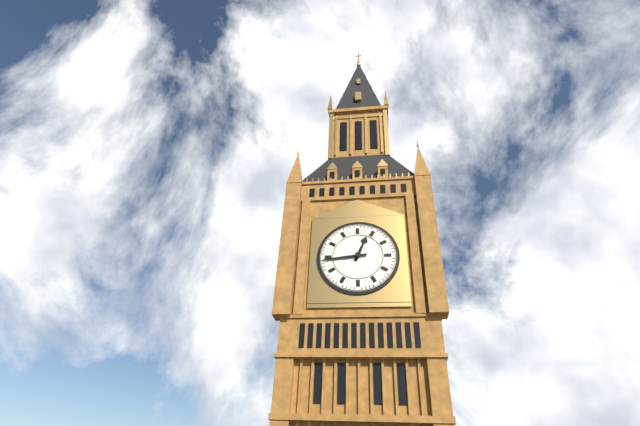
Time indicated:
12 h 44 min
